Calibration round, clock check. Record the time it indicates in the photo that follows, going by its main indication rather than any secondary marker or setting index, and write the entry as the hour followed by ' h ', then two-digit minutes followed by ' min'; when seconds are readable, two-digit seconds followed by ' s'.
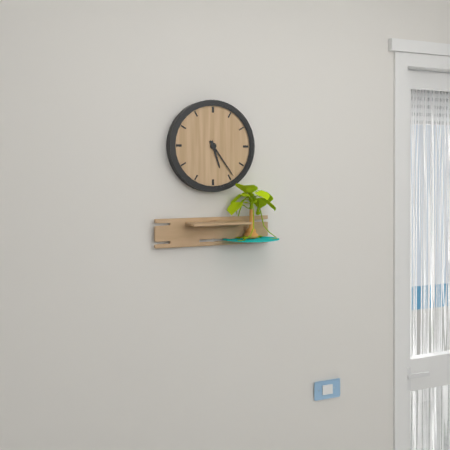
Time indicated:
5 h 24 min
